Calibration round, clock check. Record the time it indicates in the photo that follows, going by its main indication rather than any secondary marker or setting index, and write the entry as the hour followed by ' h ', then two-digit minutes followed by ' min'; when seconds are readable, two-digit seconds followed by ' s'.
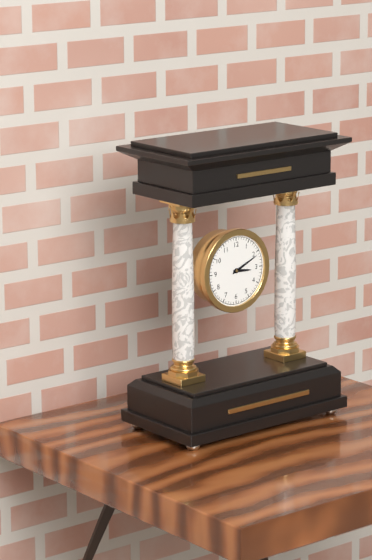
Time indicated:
3 h 11 min
